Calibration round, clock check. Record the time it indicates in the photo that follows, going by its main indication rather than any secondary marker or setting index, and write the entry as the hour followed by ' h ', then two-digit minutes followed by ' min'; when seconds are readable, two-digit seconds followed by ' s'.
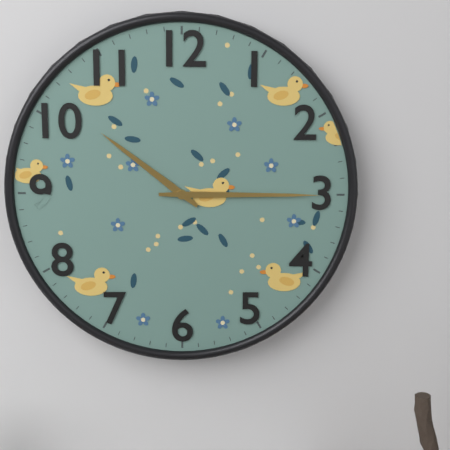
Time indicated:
10 h 15 min
